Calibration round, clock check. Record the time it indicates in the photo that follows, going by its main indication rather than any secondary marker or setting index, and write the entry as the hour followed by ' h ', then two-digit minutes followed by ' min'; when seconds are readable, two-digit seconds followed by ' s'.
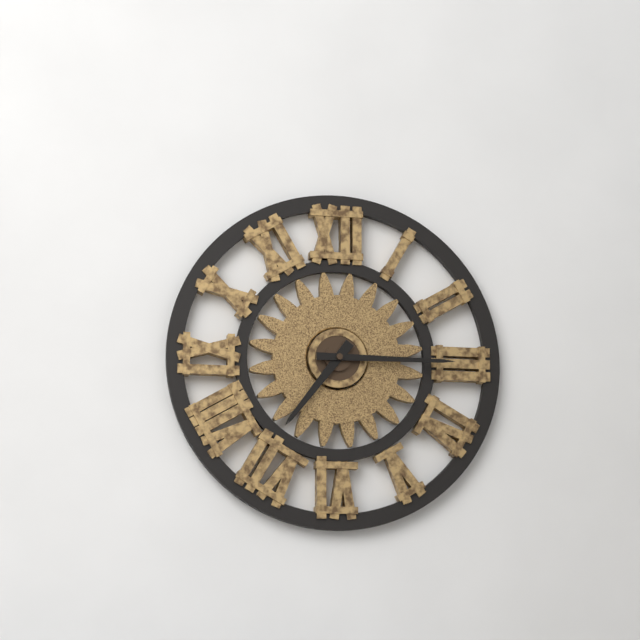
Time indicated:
7 h 15 min
